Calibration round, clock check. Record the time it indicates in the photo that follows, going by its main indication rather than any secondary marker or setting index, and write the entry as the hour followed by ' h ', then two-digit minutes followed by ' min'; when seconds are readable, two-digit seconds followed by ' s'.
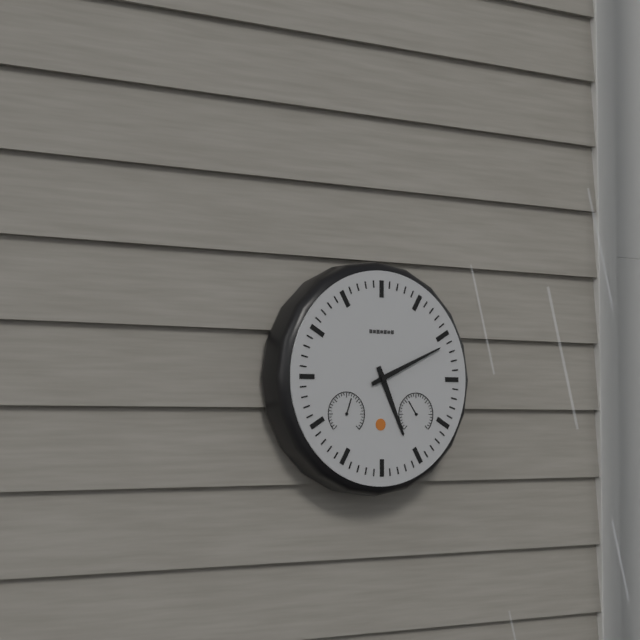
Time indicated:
5 h 11 min
